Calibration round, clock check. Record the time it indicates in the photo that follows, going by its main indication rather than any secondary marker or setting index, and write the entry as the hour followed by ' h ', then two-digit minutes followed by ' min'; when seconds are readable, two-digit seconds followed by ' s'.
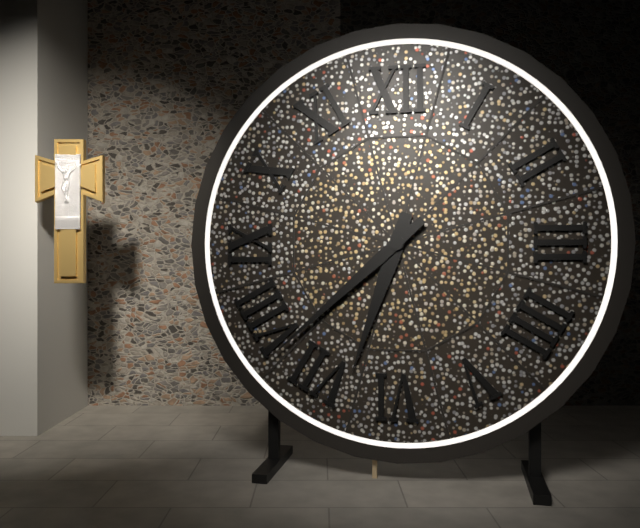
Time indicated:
6 h 38 min
